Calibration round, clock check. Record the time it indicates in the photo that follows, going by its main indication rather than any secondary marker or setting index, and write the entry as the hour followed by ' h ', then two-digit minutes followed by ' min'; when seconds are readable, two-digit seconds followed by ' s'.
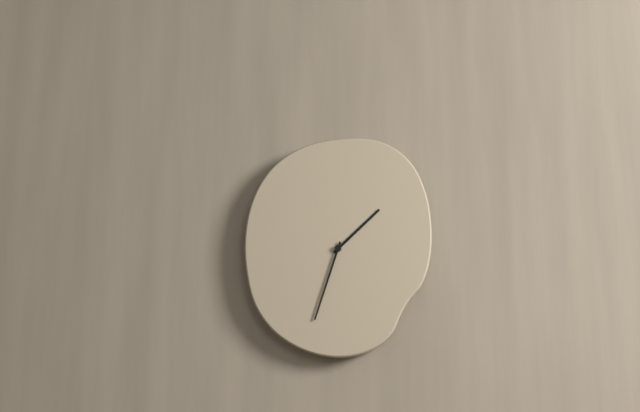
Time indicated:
1 h 33 min
